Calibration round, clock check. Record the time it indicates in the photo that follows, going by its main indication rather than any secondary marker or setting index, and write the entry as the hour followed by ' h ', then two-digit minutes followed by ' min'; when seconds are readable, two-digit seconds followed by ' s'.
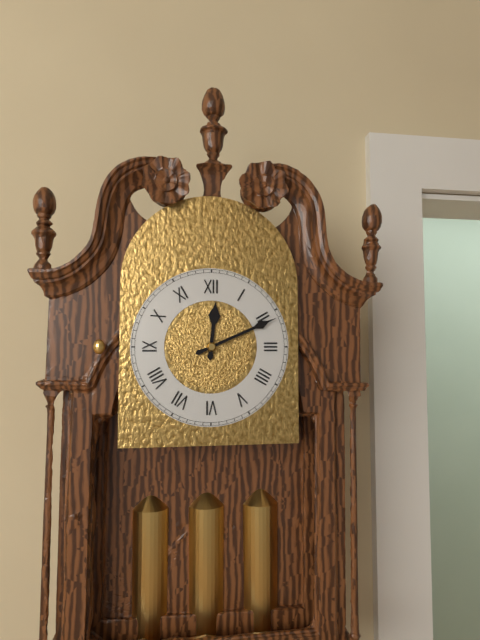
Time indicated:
12 h 11 min
